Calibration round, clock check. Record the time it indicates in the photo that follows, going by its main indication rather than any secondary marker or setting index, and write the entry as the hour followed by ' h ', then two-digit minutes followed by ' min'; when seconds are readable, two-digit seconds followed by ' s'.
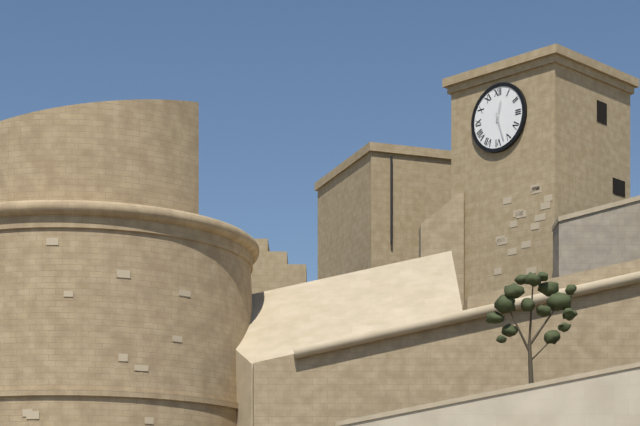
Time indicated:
12 h 27 min
